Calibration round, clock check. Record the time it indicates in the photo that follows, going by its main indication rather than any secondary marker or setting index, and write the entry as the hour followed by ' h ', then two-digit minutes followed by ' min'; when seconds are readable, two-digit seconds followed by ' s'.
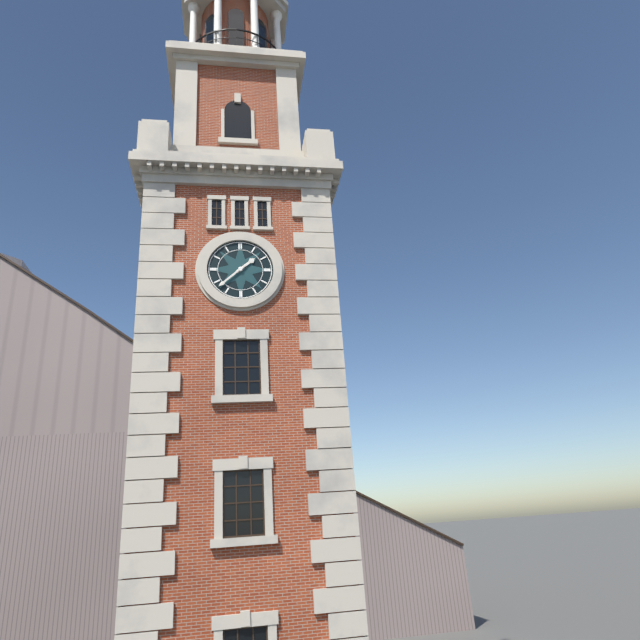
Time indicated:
1 h 38 min
